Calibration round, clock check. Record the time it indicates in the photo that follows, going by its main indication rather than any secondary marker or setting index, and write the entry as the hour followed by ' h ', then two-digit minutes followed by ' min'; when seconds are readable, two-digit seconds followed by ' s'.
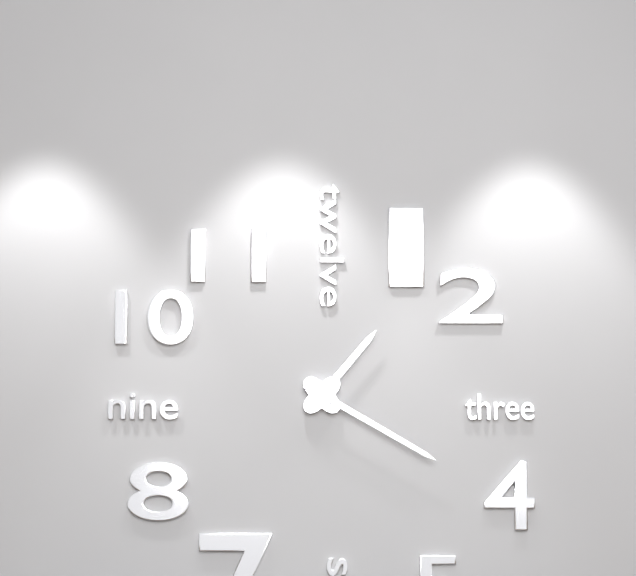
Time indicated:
1 h 20 min
